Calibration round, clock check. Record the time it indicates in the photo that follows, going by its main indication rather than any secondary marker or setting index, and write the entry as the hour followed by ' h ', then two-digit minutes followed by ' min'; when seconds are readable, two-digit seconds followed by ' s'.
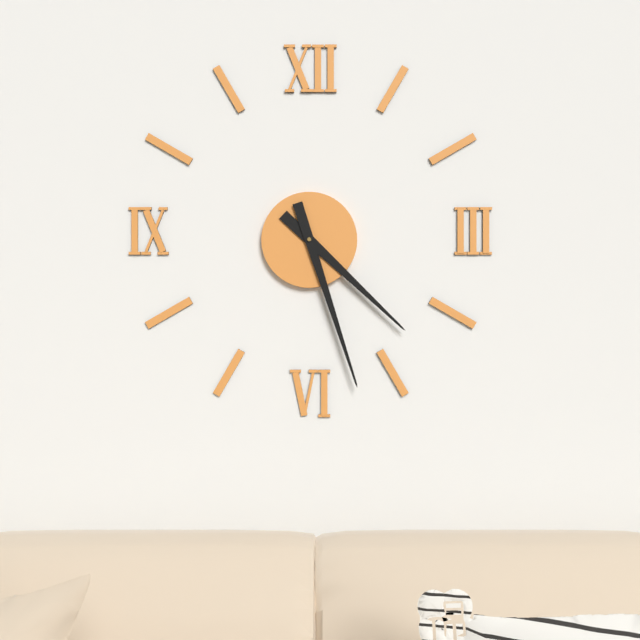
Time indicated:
4 h 27 min
